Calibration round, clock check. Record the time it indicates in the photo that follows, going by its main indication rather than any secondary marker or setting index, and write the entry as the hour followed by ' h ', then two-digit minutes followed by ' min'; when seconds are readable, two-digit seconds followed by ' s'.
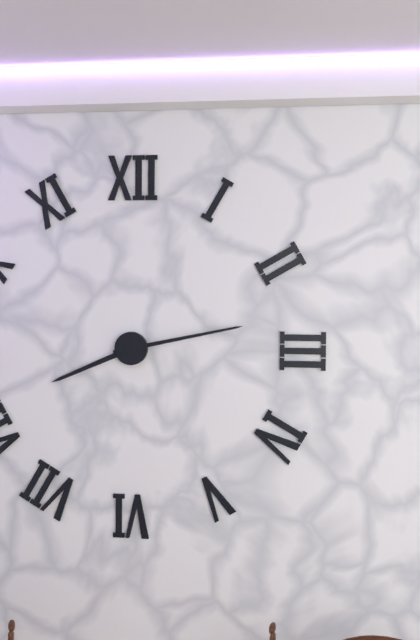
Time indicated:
8 h 13 min
